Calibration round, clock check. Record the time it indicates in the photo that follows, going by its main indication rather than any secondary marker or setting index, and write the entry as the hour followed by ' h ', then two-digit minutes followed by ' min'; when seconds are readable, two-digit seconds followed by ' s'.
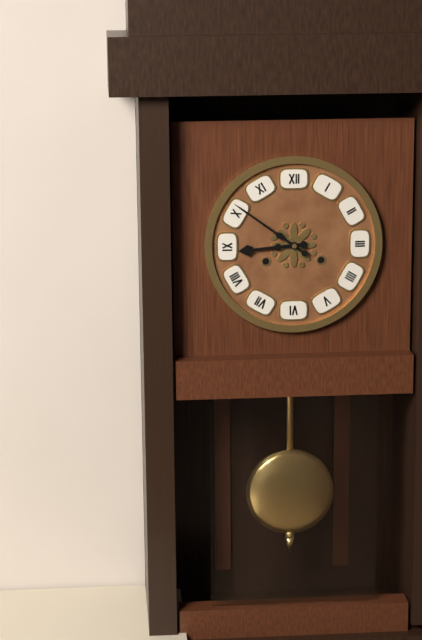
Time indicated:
8 h 51 min
